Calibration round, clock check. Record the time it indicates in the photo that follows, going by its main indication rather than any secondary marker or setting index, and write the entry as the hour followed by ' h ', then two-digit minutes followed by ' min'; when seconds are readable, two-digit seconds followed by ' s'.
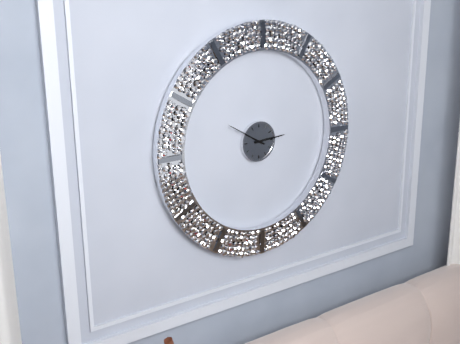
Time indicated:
2 h 50 min
